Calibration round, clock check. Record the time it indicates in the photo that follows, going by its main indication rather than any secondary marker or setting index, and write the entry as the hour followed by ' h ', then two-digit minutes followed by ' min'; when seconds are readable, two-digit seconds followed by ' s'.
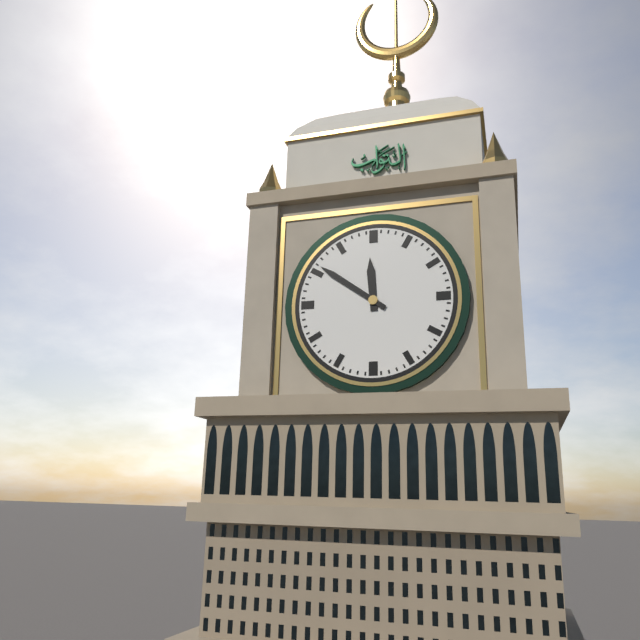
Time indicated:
11 h 51 min
